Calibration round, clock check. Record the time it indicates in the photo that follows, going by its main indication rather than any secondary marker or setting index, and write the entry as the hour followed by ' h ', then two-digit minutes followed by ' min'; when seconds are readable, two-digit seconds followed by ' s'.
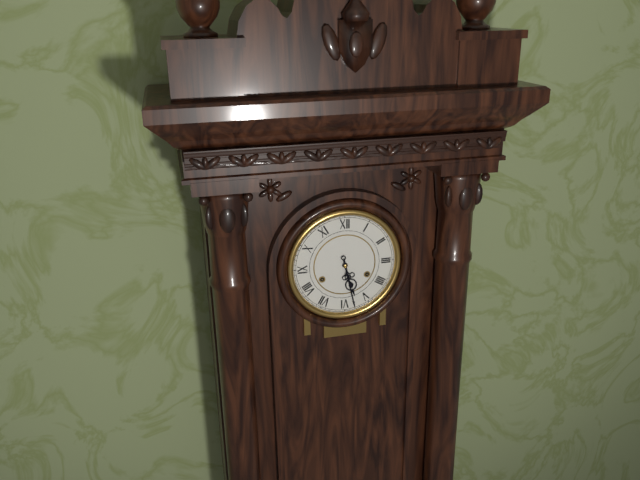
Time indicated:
5 h 28 min
